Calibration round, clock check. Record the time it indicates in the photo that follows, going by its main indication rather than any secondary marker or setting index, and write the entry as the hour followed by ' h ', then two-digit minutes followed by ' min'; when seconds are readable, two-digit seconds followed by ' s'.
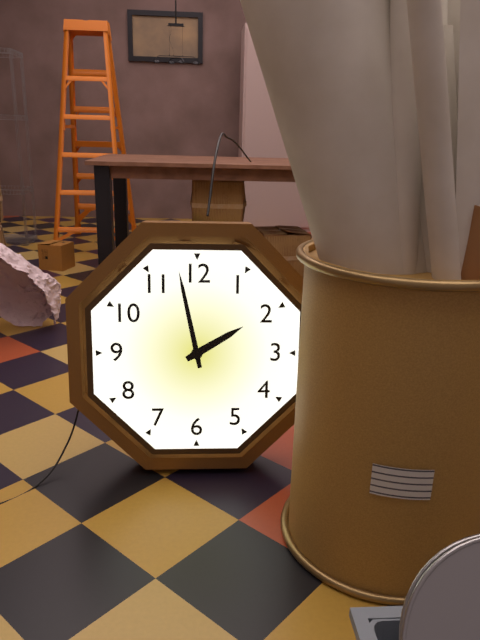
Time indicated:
1 h 58 min
